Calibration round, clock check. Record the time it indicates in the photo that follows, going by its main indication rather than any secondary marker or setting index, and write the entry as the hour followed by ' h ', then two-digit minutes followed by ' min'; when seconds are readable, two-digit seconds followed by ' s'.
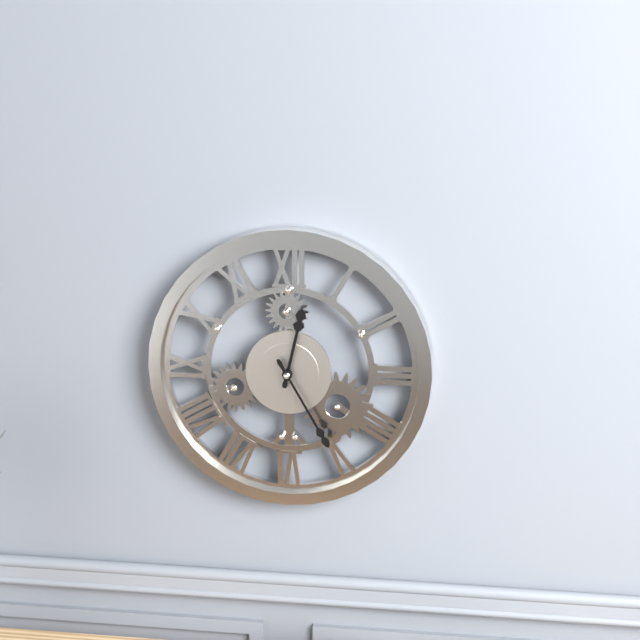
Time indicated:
12 h 25 min
